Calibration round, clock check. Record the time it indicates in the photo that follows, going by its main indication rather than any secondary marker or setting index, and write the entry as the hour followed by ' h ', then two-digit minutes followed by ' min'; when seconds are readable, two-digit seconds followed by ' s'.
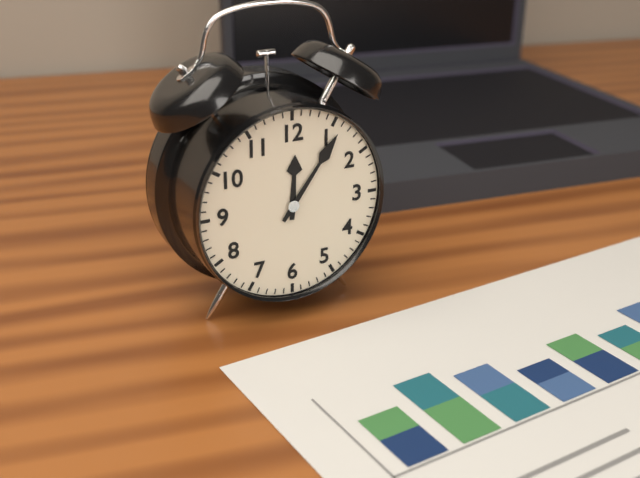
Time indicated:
12 h 06 min
